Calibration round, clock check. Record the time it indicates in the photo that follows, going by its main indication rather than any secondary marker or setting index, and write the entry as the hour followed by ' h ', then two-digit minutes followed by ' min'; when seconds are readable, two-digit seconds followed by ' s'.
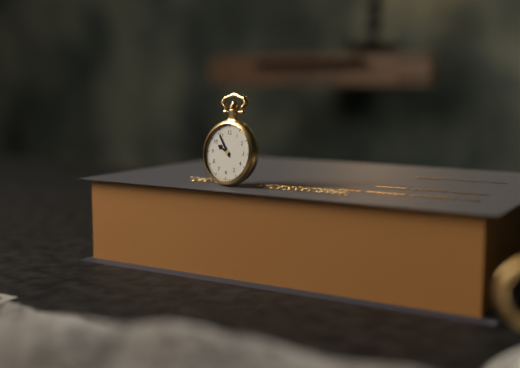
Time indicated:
9 h 54 min
